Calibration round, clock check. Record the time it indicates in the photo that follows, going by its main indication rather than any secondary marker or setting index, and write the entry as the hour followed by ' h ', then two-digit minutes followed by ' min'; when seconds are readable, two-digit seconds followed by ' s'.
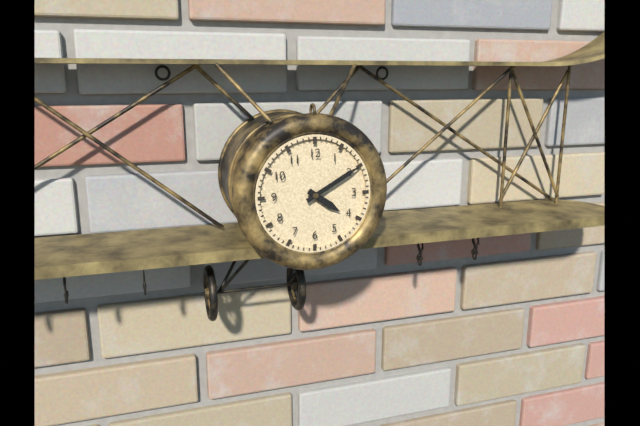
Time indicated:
4 h 10 min
